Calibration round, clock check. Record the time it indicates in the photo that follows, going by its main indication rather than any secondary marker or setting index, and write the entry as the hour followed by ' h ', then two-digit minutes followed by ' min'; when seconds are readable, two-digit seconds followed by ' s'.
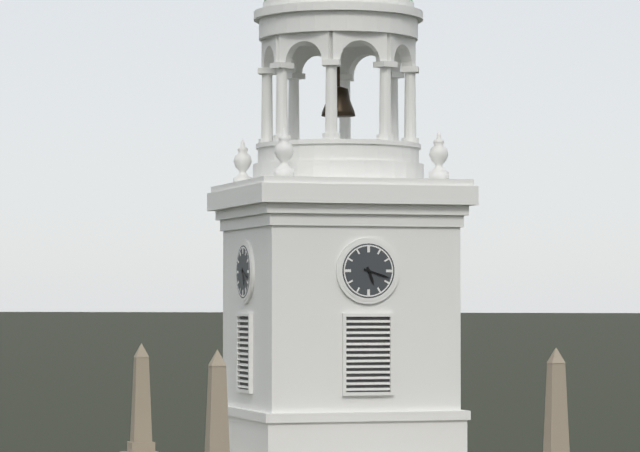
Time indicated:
5 h 18 min
